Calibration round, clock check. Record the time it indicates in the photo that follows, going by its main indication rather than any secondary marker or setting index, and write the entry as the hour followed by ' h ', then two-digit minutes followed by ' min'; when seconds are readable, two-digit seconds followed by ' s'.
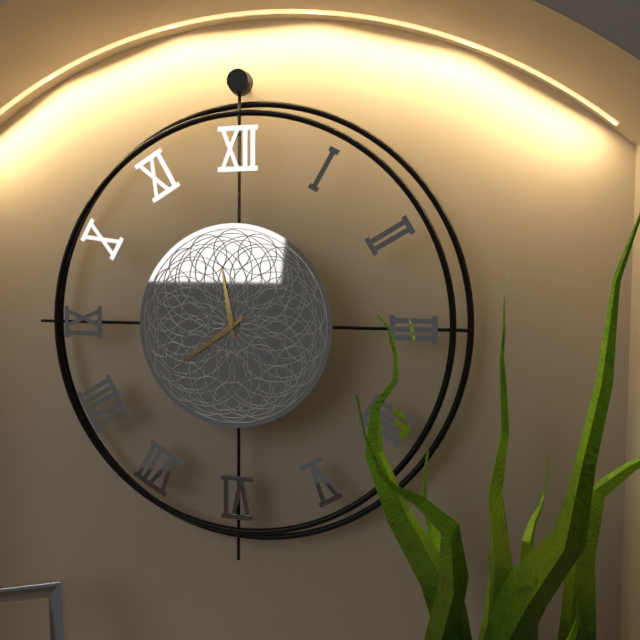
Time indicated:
11 h 39 min
